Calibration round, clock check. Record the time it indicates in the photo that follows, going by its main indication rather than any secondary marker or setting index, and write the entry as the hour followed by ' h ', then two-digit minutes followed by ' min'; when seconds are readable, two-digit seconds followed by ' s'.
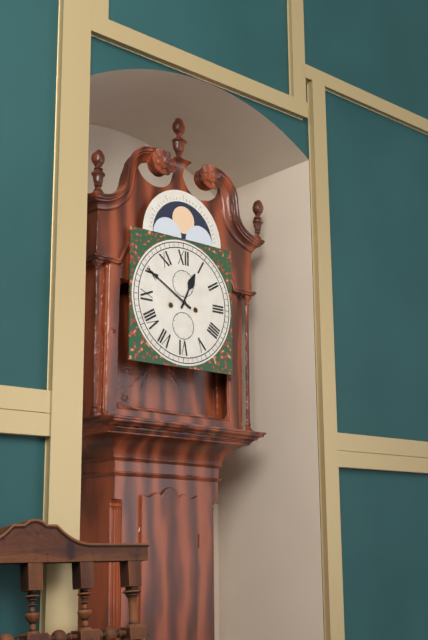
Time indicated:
12 h 50 min
